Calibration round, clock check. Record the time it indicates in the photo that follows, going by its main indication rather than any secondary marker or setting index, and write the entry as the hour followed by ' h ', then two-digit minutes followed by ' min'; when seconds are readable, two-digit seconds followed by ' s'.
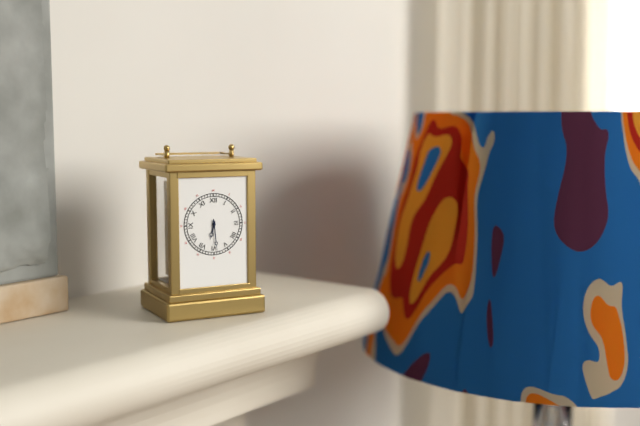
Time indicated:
6 h 29 min
